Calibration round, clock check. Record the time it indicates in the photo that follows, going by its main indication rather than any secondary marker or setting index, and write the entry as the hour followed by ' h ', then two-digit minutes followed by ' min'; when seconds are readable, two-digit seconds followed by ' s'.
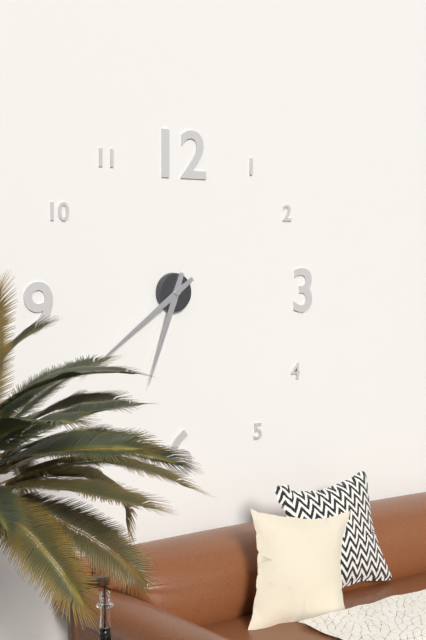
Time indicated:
6 h 39 min
